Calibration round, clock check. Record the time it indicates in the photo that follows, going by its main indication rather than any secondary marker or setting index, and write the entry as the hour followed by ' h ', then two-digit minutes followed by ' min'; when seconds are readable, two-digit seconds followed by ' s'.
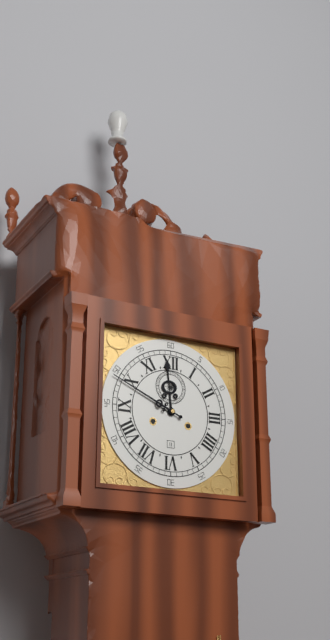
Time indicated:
11 h 49 min
